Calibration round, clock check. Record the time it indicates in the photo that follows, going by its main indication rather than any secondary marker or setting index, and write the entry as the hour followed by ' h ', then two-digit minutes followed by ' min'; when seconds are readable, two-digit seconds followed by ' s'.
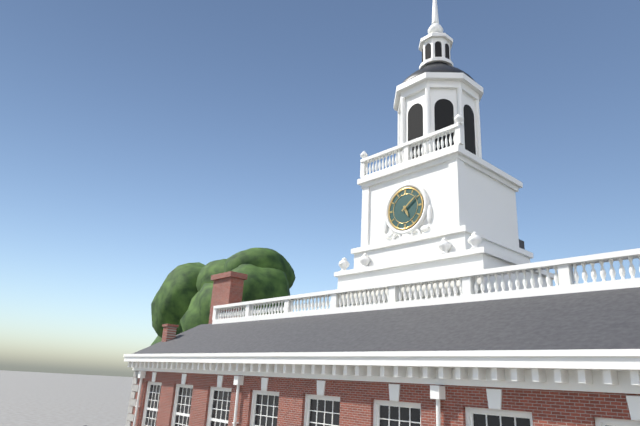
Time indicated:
5 h 09 min
